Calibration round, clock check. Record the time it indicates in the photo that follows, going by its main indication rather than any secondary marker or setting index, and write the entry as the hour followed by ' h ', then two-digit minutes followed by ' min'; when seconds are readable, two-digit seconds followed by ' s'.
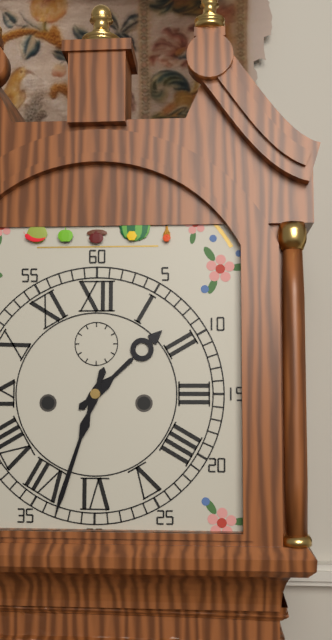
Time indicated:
1 h 33 min
